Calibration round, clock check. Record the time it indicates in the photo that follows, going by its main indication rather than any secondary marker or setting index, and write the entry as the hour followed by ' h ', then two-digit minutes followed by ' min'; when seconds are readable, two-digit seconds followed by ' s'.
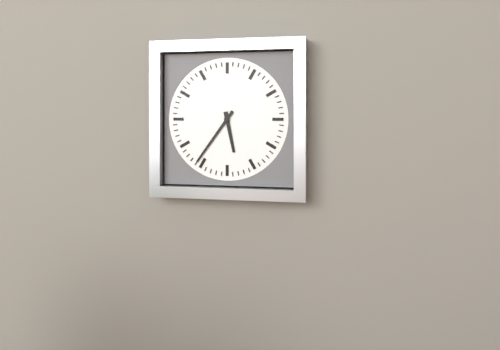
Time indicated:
5 h 36 min
